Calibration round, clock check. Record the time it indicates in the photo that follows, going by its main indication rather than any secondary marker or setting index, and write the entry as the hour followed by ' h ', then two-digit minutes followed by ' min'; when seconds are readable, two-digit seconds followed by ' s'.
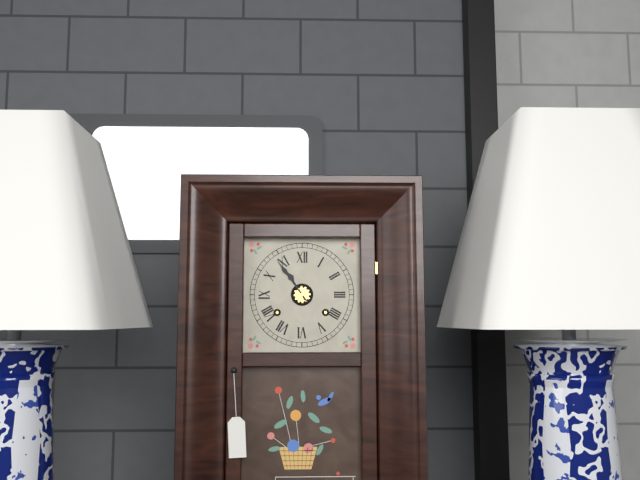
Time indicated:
10 h 54 min
